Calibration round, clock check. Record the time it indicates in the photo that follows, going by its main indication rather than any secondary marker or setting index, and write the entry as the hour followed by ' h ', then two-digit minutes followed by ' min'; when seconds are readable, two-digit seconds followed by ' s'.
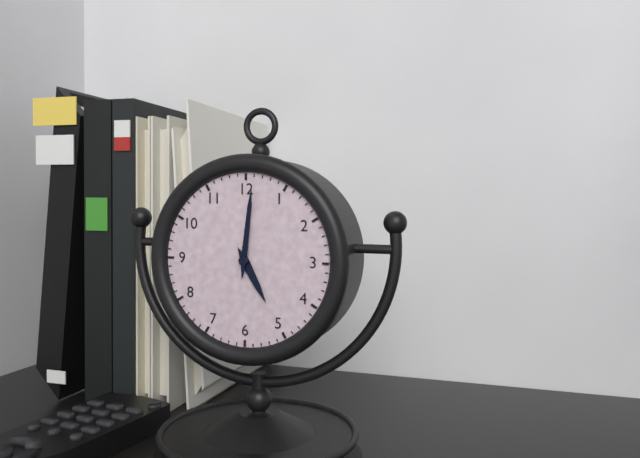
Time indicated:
5 h 01 min
